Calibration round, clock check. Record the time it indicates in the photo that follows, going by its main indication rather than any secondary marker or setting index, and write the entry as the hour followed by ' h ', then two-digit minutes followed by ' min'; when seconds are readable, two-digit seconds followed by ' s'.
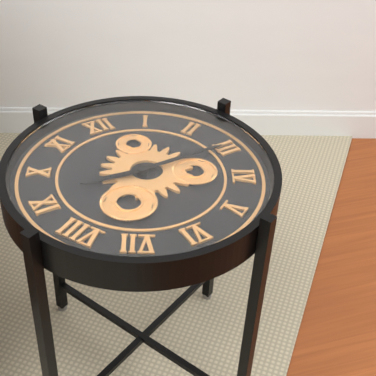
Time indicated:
9 h 15 min
